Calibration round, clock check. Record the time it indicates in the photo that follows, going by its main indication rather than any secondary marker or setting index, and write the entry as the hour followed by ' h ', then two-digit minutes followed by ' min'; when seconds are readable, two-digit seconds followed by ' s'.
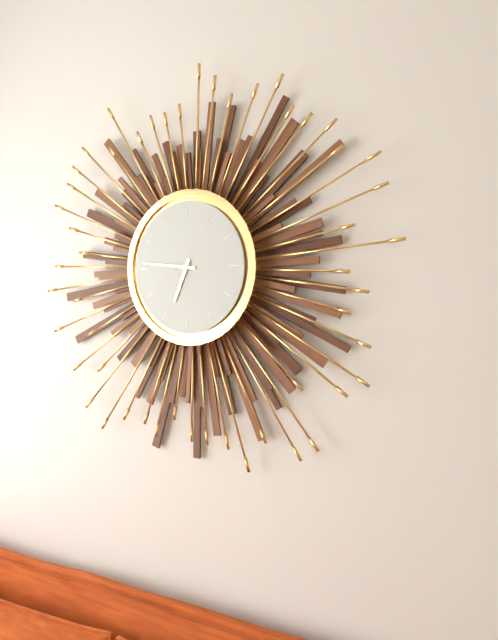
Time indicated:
6 h 46 min
